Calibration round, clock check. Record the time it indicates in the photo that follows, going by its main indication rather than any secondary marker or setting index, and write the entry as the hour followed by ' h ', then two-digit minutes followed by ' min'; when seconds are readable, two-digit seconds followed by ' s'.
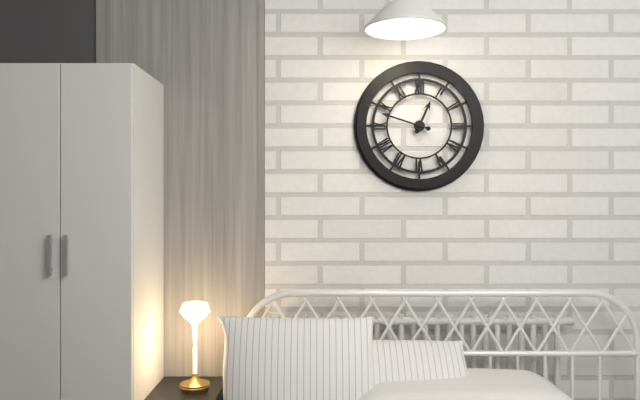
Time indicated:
12 h 48 min
